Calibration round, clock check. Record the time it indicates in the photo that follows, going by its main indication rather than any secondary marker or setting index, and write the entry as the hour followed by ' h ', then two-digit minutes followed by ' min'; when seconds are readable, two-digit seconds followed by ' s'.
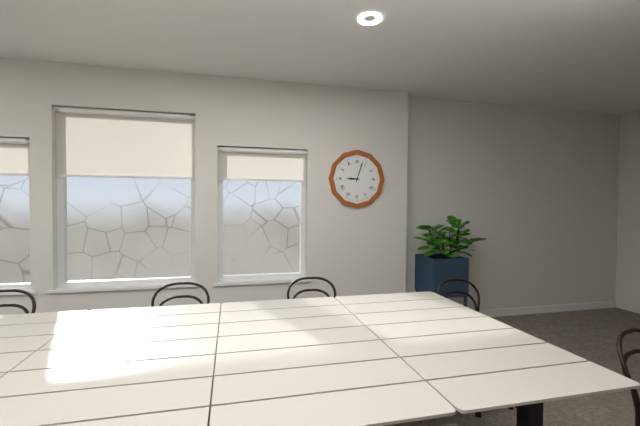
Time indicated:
9 h 03 min
